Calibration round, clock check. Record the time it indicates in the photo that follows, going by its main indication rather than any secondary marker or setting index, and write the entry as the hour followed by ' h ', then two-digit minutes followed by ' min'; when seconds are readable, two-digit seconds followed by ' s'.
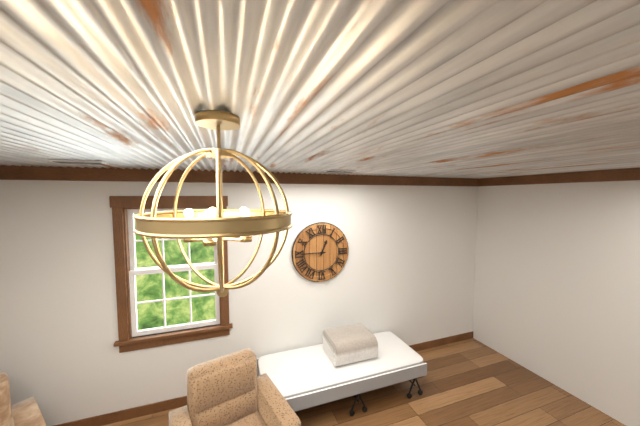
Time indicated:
12 h 45 min
